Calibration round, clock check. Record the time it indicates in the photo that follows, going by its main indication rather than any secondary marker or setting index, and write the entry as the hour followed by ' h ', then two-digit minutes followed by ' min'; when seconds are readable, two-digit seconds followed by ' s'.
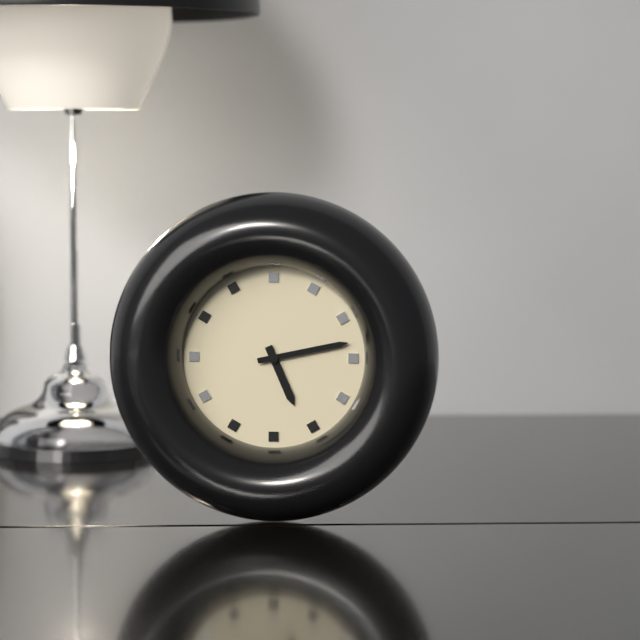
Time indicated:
5 h 13 min
